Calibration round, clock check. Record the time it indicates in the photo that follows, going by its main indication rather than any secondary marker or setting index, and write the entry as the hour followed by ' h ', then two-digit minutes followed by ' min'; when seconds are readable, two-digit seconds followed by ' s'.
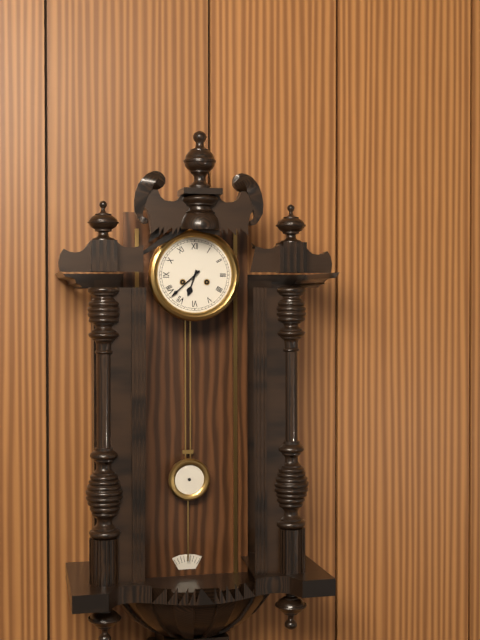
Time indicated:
6 h 38 min
